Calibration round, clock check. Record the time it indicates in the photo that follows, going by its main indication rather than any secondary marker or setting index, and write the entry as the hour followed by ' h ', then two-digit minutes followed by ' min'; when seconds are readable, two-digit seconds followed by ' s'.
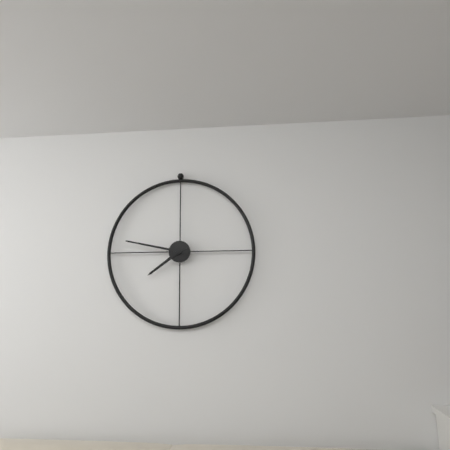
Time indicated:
7 h 47 min
